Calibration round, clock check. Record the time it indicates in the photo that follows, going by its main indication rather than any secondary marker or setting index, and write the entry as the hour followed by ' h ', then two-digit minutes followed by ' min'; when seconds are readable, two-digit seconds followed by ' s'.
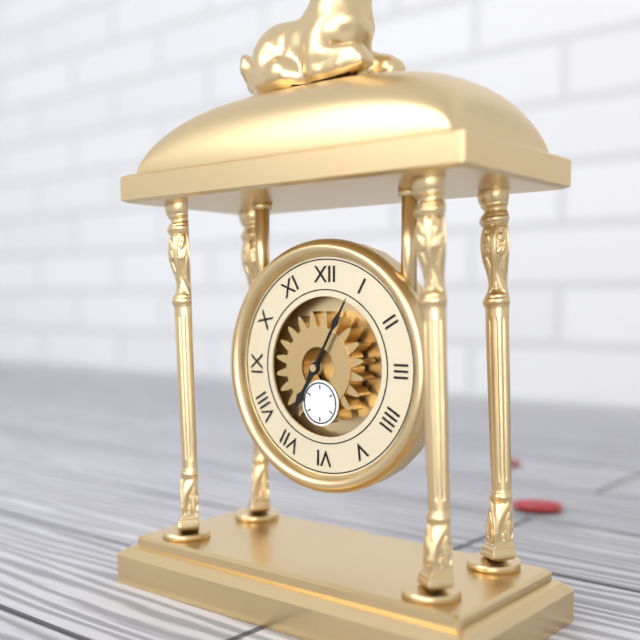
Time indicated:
7 h 05 min
